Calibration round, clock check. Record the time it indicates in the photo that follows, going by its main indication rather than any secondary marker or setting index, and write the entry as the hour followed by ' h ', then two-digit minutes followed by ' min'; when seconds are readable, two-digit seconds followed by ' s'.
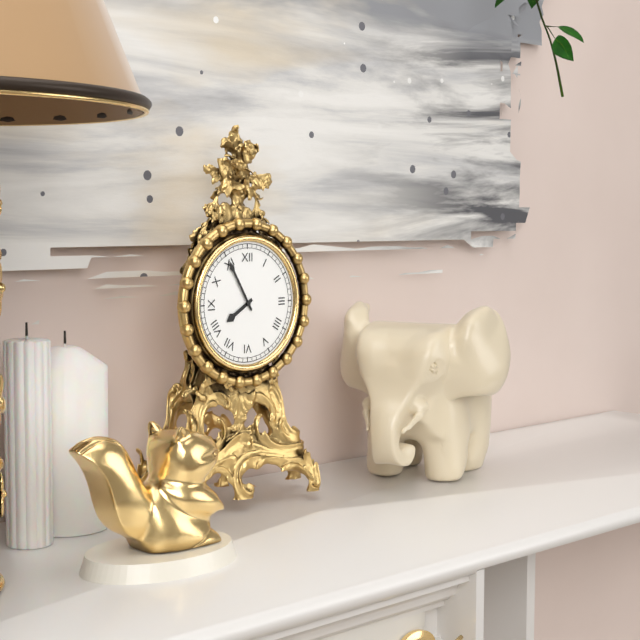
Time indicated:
7 h 55 min
